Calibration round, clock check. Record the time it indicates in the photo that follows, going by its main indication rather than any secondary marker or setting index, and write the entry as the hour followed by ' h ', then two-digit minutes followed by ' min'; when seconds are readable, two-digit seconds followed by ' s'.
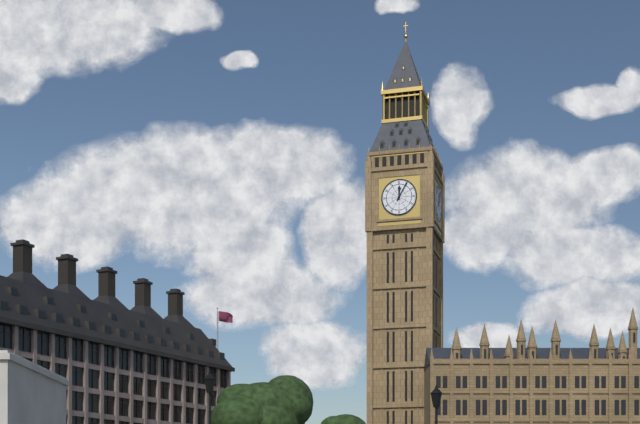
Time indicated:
12 h 05 min
